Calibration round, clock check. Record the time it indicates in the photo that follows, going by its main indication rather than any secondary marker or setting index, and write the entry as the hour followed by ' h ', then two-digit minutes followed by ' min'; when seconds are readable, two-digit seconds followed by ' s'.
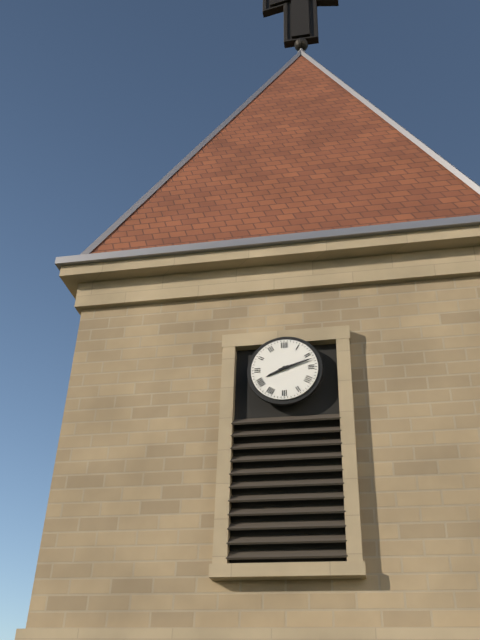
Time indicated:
8 h 12 min
